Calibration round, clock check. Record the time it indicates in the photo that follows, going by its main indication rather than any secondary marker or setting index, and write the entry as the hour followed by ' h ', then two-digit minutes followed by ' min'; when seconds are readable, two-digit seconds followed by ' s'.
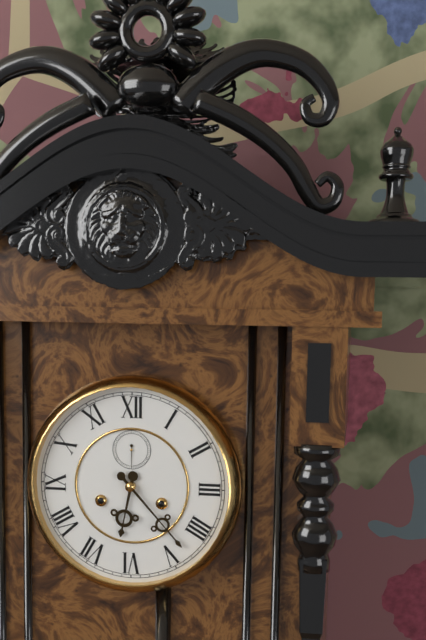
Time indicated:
6 h 23 min
